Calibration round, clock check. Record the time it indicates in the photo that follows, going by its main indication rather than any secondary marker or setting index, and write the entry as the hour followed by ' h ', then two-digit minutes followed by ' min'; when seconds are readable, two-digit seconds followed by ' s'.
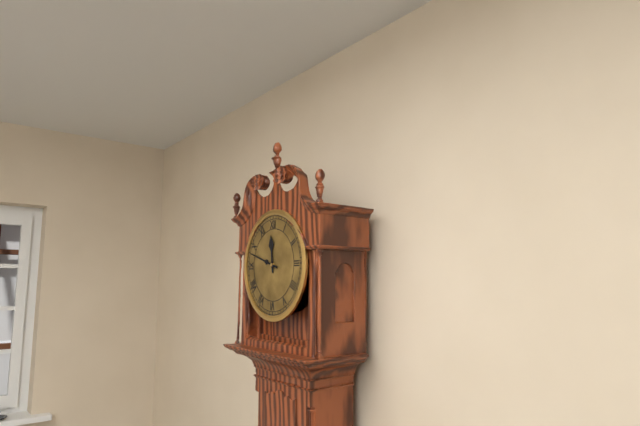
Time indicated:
11 h 48 min
